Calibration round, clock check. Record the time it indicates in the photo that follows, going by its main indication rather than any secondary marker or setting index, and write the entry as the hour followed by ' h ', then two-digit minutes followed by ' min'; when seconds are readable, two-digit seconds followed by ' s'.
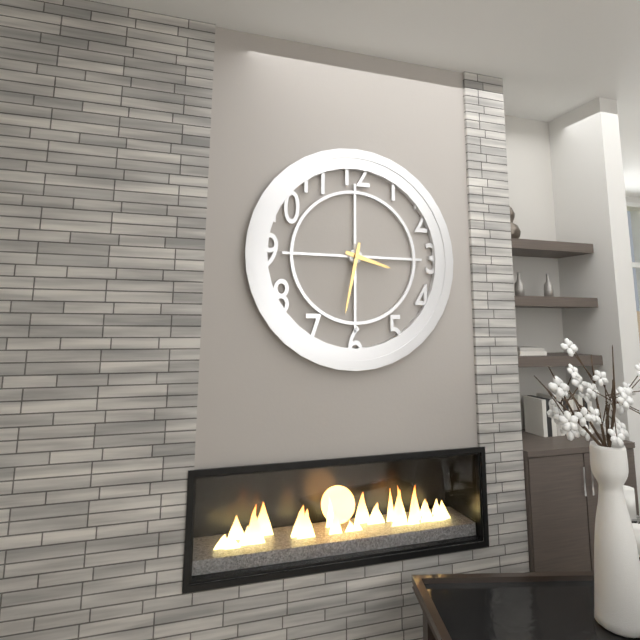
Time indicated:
3 h 32 min
